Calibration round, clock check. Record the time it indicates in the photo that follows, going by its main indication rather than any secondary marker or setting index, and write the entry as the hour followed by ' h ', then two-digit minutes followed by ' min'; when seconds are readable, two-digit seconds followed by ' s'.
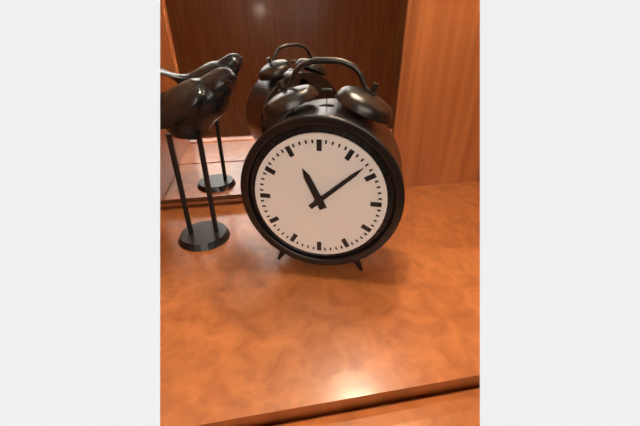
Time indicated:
11 h 08 min
